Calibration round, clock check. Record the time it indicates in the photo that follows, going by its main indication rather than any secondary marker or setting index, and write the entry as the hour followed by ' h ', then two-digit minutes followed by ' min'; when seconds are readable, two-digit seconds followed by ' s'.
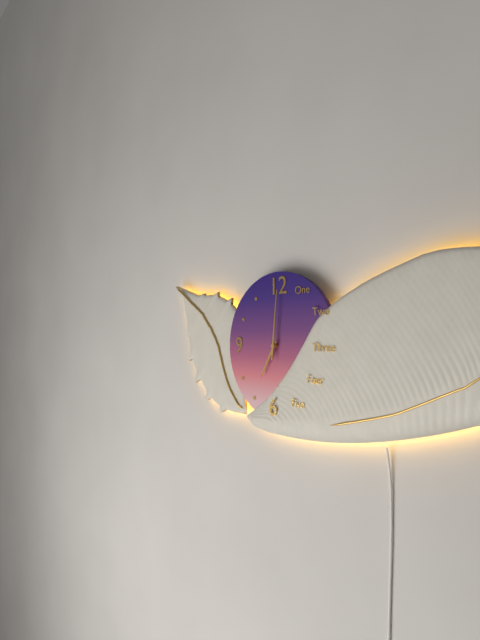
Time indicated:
7 h 01 min
